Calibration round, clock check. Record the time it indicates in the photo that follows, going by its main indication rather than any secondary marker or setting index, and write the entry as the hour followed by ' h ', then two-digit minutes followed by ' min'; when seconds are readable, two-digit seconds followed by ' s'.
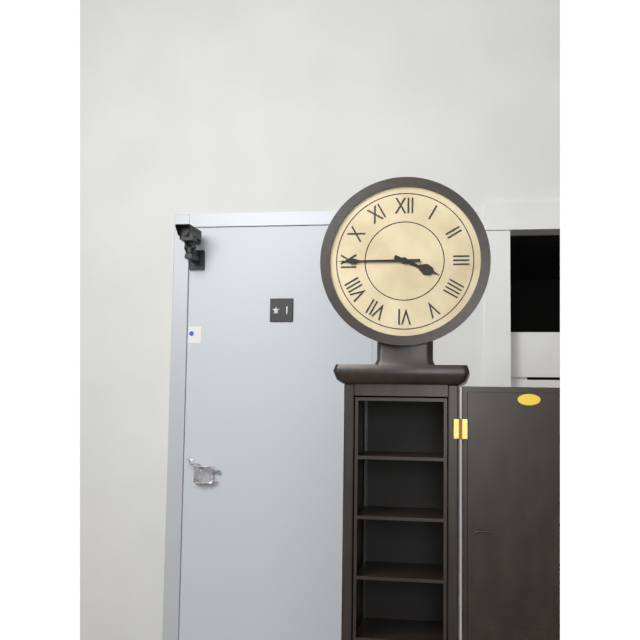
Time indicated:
3 h 45 min
